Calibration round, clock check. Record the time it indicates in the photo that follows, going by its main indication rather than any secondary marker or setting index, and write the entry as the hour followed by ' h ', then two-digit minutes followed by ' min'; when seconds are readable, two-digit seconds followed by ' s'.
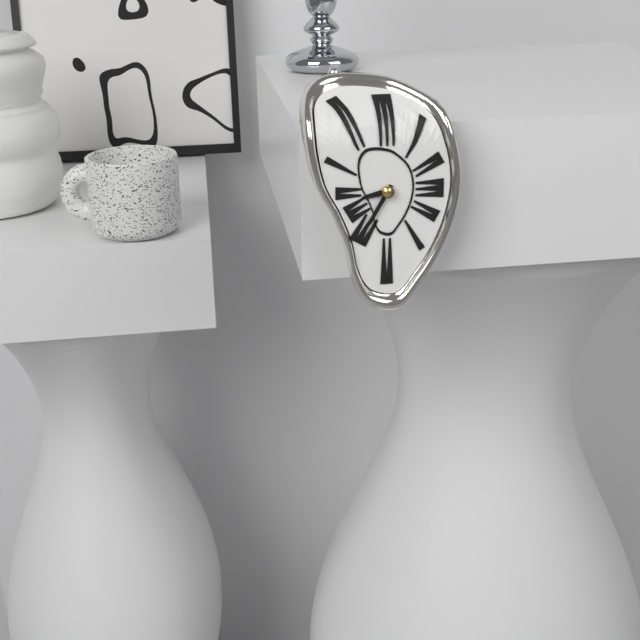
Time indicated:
8 h 35 min
